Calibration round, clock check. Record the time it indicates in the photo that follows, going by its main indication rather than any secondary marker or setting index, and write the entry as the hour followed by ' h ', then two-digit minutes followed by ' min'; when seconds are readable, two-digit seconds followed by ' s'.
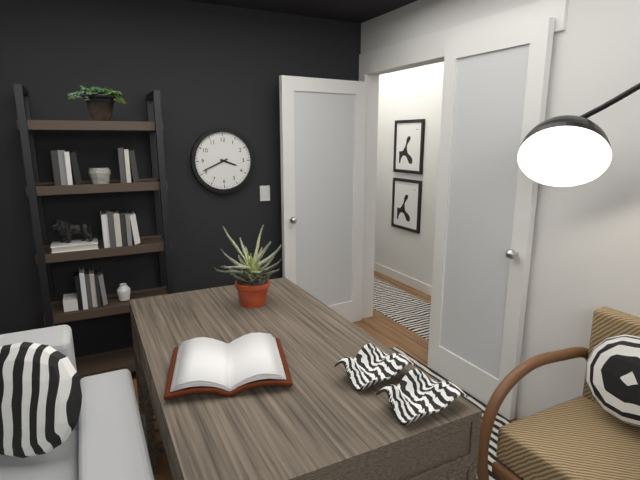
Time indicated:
3 h 41 min
